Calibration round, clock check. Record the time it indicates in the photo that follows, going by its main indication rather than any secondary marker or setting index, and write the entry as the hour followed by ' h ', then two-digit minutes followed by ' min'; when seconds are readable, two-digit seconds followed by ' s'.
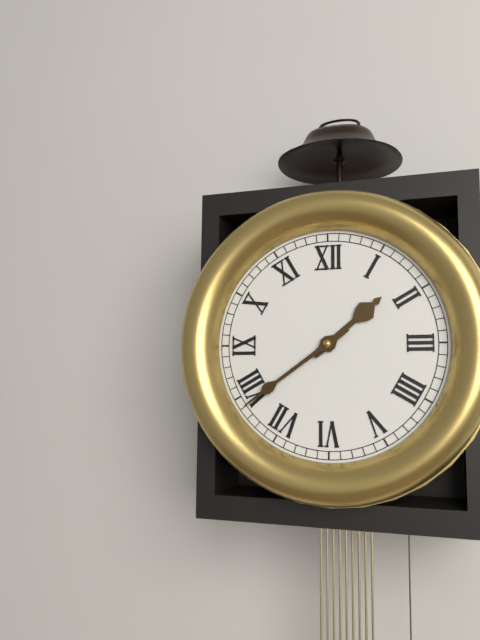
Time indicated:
1 h 39 min
